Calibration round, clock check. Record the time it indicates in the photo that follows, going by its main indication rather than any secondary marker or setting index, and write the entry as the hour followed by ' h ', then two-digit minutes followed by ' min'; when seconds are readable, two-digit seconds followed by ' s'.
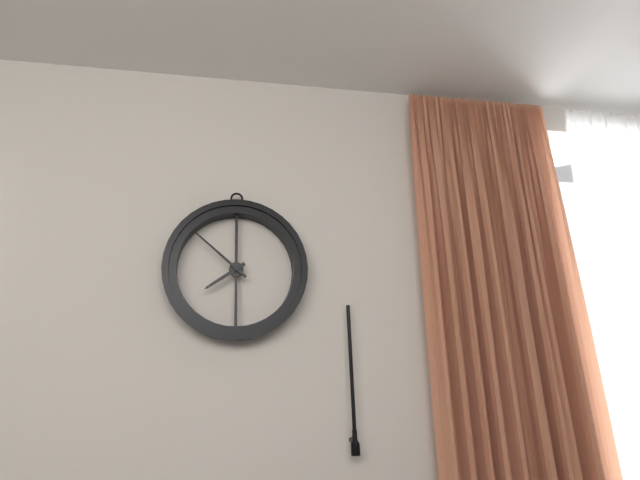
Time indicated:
7 h 52 min
